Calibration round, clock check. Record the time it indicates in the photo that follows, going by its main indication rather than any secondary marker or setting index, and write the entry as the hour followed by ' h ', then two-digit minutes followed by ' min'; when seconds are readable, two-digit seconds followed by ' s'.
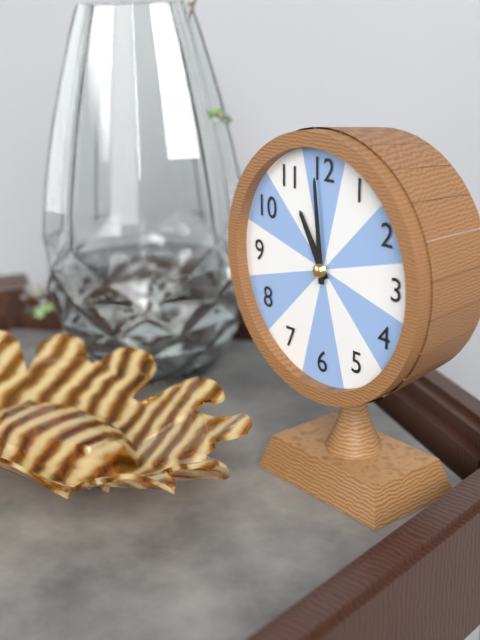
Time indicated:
10 h 59 min
